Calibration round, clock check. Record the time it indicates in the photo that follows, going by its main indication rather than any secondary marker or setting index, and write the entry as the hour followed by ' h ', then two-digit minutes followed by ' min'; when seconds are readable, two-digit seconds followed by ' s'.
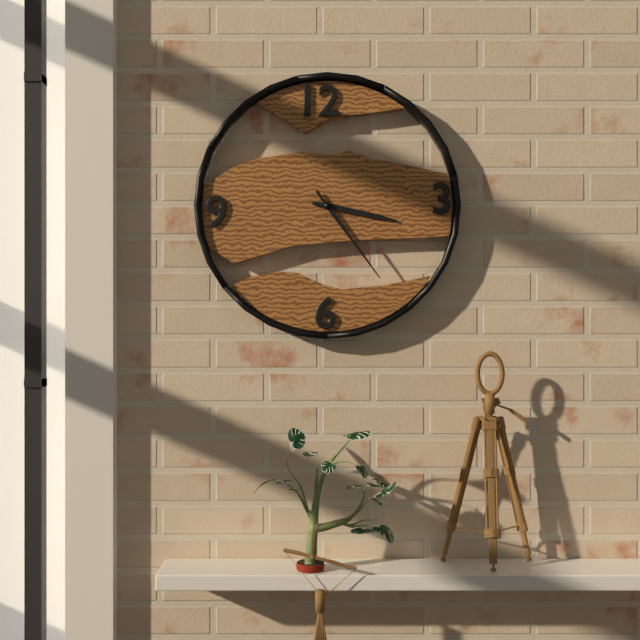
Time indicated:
3 h 24 min
